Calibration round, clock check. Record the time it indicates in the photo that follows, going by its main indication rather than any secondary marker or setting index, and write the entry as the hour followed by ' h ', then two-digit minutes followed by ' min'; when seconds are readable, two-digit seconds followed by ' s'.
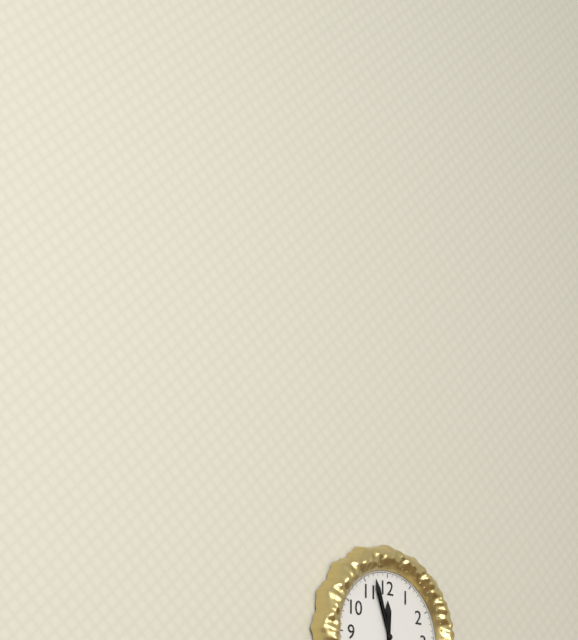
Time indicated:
11 h 57 min
